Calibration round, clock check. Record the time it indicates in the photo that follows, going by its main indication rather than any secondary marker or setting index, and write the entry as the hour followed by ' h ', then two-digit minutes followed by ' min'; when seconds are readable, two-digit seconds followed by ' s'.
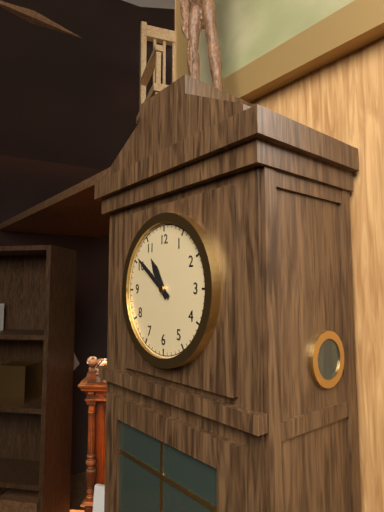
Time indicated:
10 h 51 min
